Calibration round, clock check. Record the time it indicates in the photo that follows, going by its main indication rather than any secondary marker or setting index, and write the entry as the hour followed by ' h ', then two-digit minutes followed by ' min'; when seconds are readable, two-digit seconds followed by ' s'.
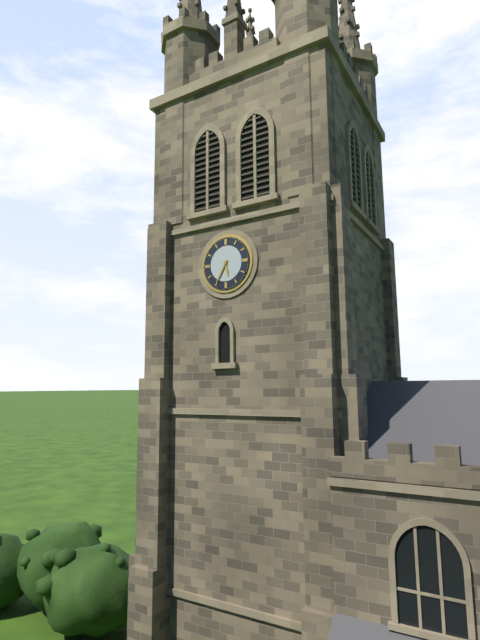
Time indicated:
5 h 35 min
